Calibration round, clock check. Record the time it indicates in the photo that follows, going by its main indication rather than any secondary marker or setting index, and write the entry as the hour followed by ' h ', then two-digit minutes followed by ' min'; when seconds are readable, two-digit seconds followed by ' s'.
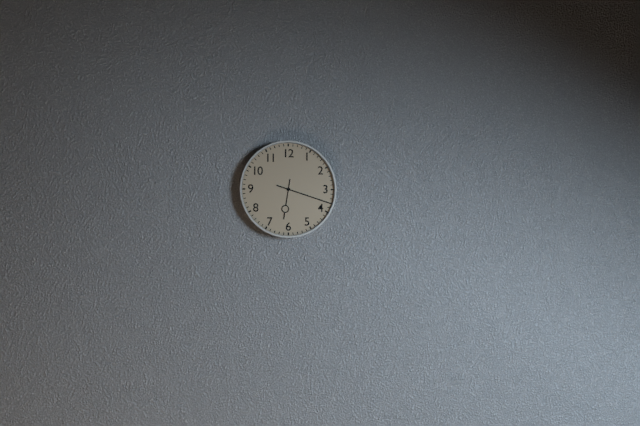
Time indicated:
6 h 18 min
